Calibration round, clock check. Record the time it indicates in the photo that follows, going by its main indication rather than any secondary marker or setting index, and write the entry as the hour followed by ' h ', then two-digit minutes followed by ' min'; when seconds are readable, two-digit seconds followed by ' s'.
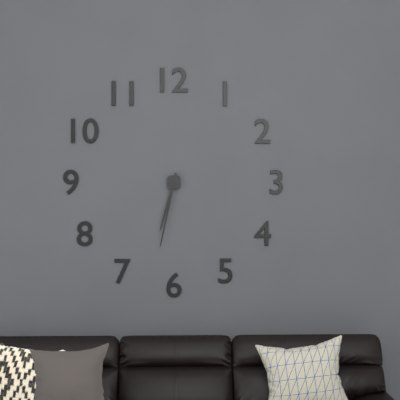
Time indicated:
6 h 32 min
